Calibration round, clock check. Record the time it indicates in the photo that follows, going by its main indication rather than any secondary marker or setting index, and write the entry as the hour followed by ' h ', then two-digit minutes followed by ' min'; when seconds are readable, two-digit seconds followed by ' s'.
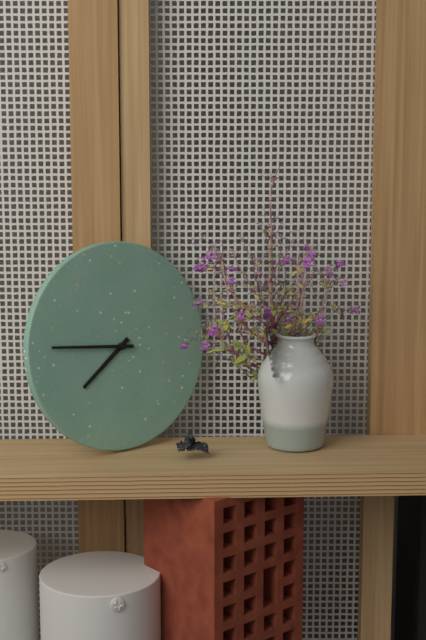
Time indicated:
7 h 46 min
